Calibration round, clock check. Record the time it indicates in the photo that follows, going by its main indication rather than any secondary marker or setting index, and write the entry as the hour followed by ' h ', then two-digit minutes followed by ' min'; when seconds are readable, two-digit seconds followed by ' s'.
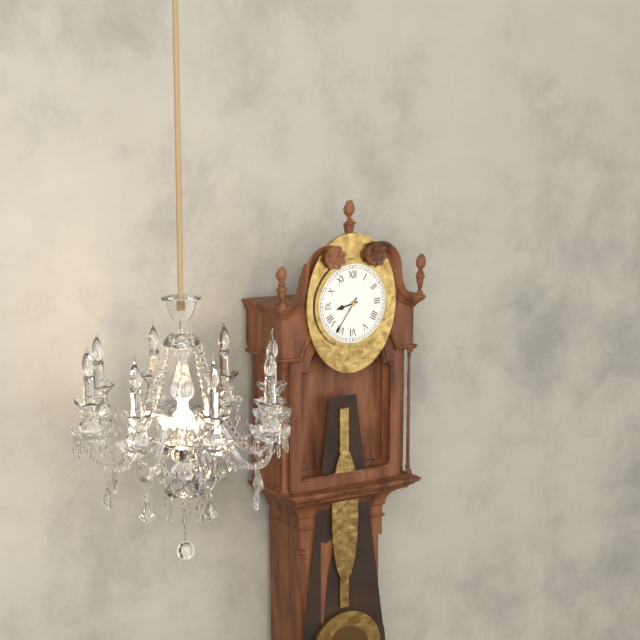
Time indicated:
8 h 36 min
